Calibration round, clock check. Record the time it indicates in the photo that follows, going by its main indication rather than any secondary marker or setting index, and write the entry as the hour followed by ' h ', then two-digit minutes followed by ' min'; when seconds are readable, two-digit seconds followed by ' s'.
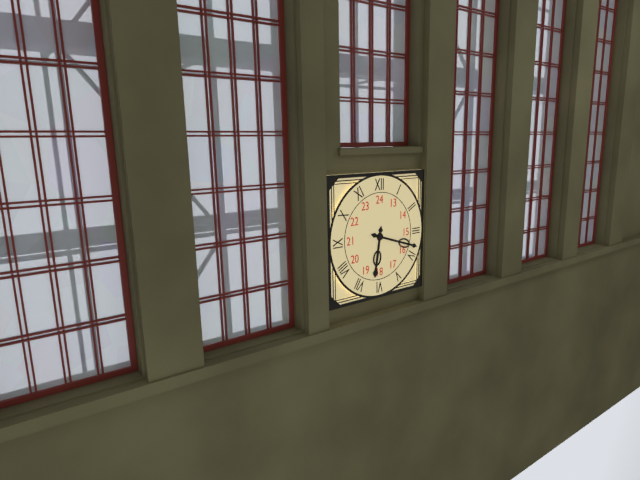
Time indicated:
6 h 18 min
